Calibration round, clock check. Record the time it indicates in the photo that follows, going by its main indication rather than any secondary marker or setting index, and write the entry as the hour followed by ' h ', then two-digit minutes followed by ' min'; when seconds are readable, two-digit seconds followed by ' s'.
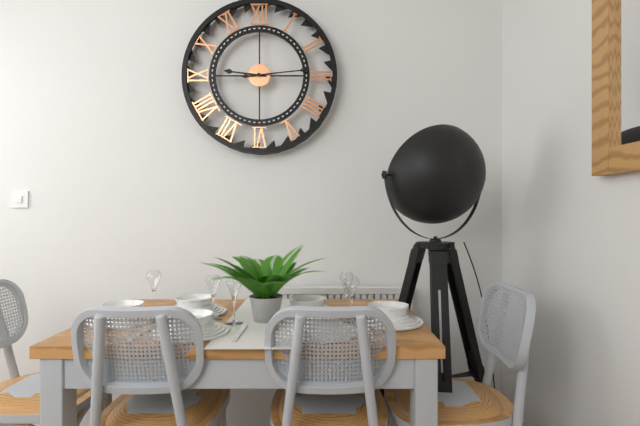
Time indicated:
9 h 14 min
